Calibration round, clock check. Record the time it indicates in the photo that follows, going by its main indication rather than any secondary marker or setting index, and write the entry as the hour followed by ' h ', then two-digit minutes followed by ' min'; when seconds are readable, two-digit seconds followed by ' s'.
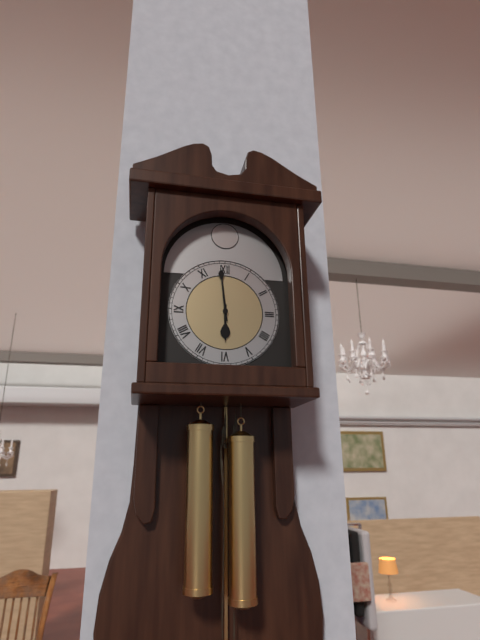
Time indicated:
5 h 59 min
